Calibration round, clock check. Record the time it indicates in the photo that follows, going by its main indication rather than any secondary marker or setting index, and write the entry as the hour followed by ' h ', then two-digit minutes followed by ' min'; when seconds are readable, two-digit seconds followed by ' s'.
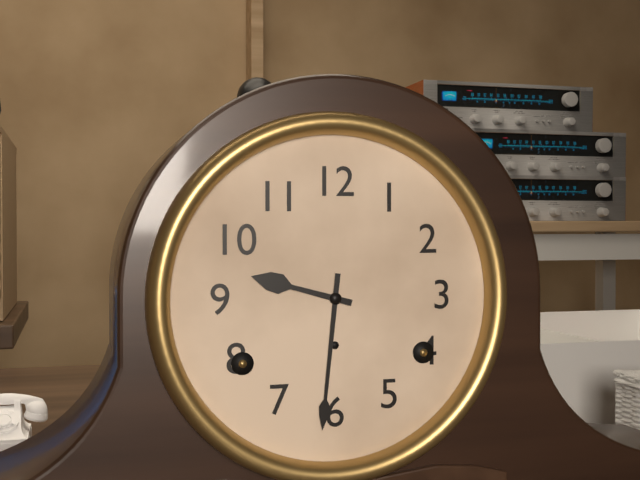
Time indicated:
9 h 31 min
